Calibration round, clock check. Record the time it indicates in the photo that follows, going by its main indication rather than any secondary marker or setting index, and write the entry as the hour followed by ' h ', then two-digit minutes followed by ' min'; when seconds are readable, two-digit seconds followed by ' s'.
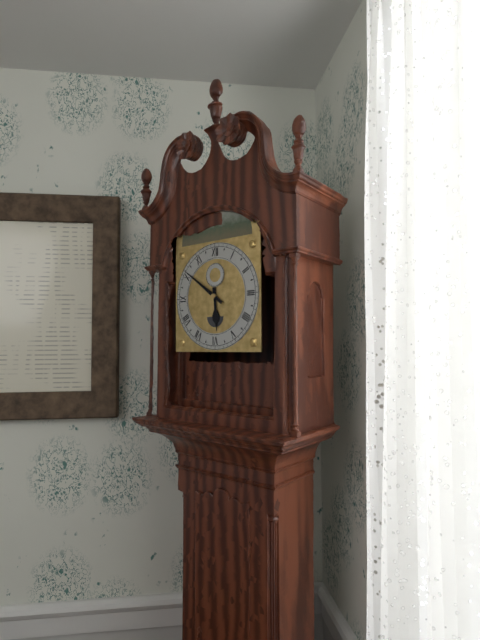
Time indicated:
5 h 51 min
